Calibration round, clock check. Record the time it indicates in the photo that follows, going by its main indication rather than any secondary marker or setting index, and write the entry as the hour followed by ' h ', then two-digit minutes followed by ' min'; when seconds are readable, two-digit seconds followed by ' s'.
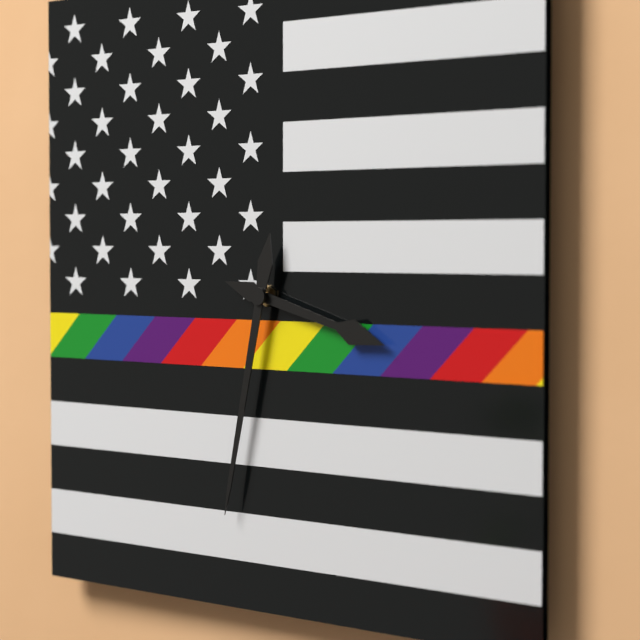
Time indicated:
3 h 32 min
